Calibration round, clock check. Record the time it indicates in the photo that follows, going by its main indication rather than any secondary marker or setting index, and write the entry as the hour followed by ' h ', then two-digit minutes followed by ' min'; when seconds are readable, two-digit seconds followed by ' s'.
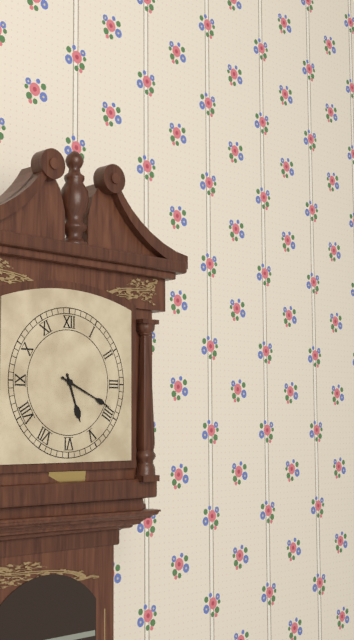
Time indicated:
5 h 19 min
